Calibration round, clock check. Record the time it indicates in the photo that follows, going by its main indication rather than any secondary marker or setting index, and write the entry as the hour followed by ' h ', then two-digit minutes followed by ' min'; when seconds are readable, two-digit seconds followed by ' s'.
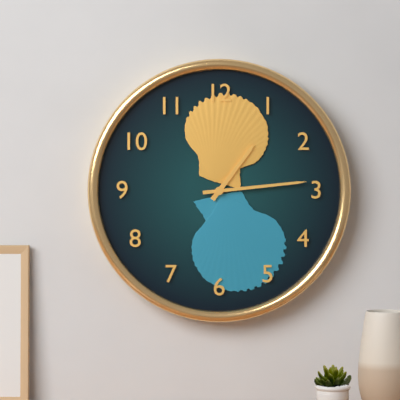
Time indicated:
1 h 14 min
